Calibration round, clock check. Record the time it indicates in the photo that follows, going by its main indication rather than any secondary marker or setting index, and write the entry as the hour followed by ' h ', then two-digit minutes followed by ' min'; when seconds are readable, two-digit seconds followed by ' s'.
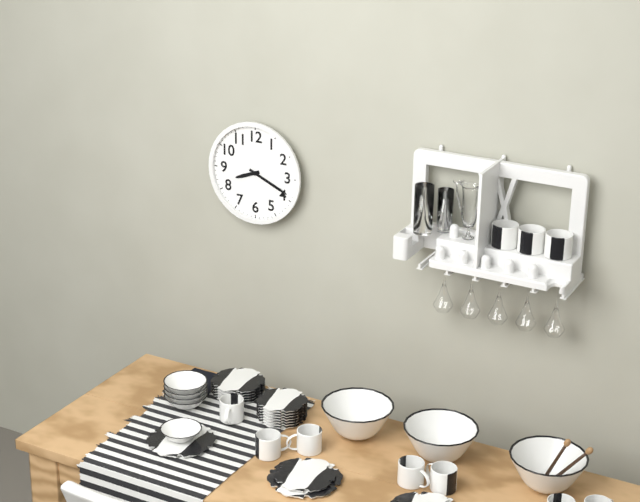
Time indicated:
8 h 19 min
